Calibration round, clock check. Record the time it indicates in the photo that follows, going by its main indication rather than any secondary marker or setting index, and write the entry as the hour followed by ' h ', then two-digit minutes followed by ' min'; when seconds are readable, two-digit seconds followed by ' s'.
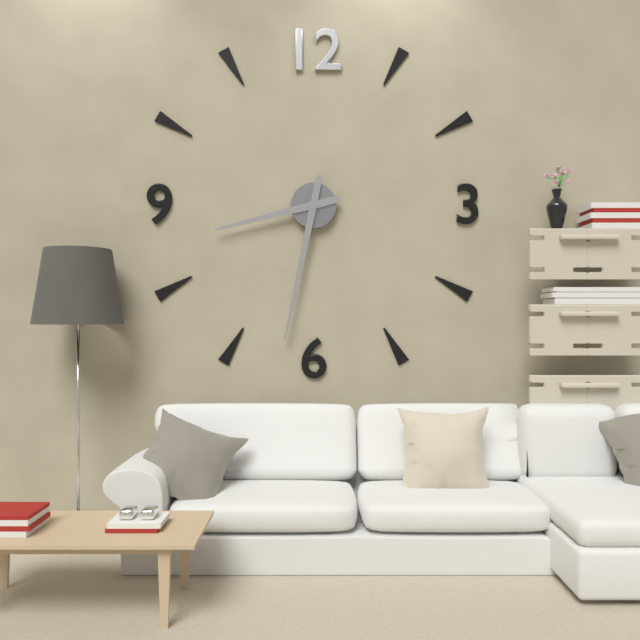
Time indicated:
8 h 32 min
